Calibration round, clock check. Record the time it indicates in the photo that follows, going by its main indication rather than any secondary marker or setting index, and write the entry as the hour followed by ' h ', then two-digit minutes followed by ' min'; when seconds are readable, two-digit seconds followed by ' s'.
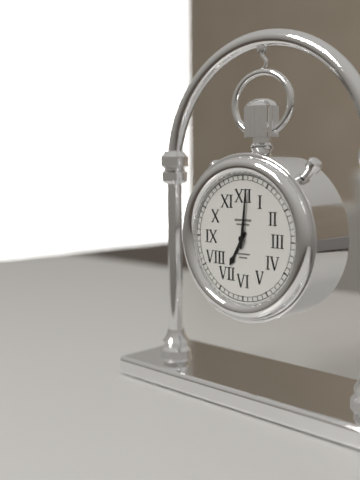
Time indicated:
7 h 01 min
